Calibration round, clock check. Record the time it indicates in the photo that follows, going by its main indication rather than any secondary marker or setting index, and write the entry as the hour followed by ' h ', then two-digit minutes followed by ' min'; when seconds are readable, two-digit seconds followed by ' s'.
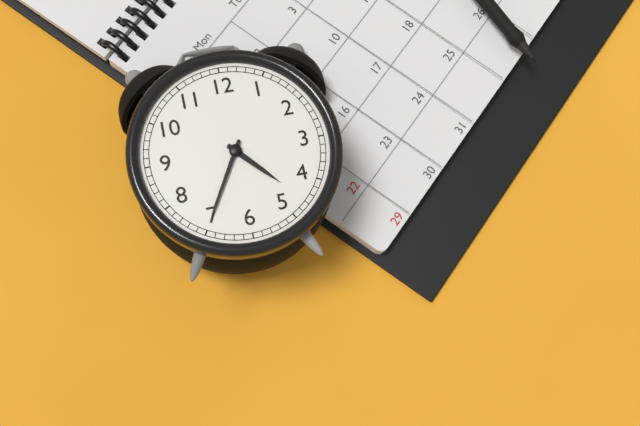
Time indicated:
4 h 35 min
